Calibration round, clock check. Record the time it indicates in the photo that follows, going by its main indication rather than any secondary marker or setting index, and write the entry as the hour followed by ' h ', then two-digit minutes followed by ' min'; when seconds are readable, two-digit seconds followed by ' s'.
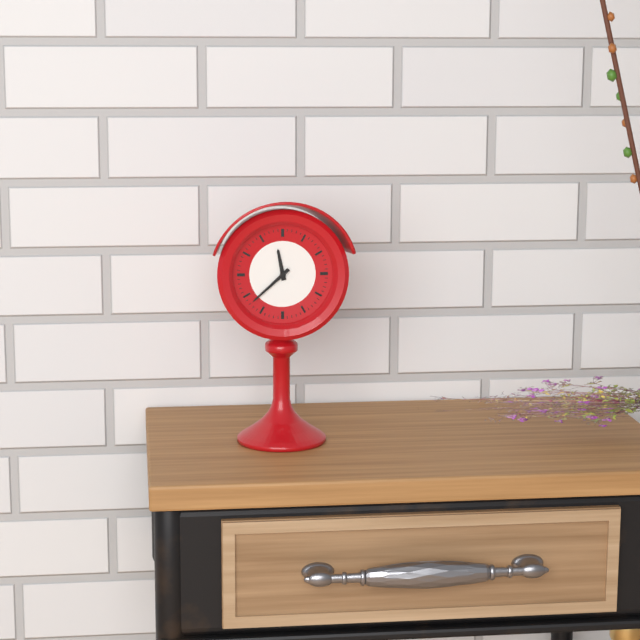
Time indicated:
11 h 38 min
